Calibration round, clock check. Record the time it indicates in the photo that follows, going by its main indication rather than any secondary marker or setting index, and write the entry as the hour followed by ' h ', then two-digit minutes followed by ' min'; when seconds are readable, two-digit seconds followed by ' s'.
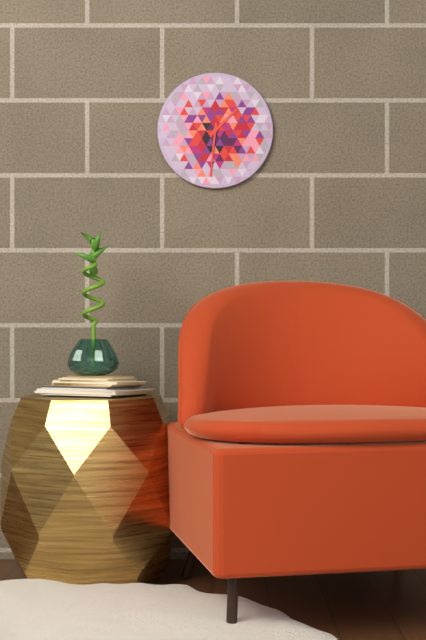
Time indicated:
1 h 31 min
